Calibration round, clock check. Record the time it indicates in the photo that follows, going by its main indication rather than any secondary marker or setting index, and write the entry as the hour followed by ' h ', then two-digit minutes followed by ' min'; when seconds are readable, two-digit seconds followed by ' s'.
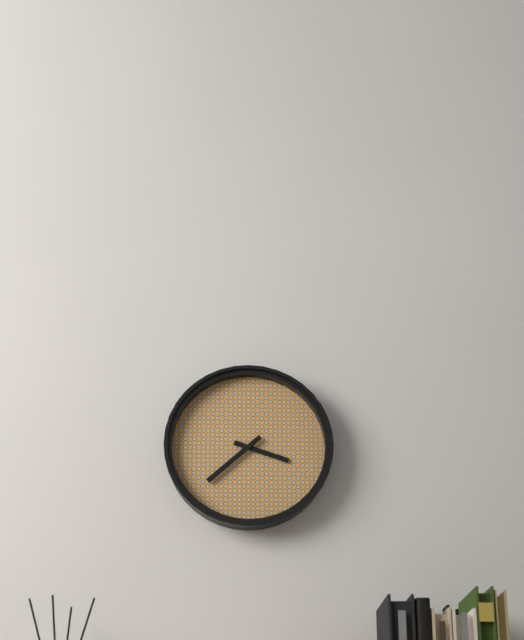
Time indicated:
3 h 38 min
